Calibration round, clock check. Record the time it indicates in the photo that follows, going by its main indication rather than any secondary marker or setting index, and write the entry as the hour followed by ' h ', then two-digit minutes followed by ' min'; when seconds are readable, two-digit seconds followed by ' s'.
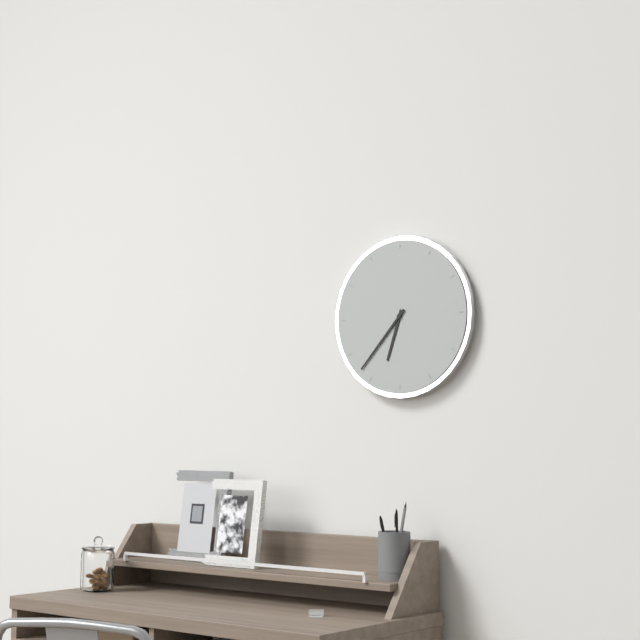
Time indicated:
6 h 37 min
